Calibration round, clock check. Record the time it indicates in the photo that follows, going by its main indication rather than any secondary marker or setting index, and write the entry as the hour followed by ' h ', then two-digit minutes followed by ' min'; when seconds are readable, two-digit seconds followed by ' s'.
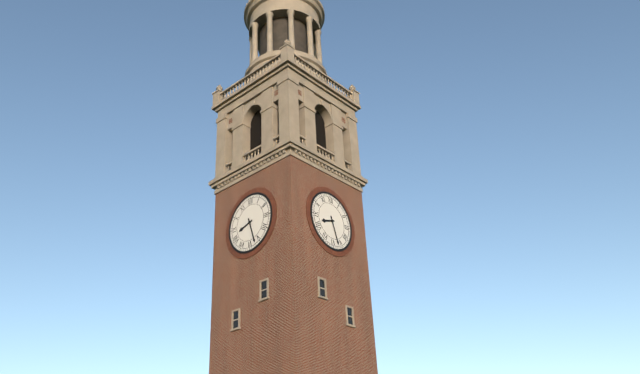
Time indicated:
8 h 27 min
